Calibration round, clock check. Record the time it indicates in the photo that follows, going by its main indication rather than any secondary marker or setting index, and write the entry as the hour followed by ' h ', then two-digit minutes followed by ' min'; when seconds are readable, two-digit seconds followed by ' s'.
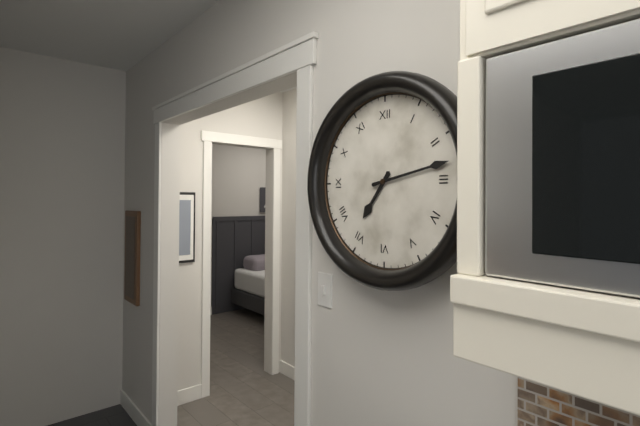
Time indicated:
7 h 13 min
